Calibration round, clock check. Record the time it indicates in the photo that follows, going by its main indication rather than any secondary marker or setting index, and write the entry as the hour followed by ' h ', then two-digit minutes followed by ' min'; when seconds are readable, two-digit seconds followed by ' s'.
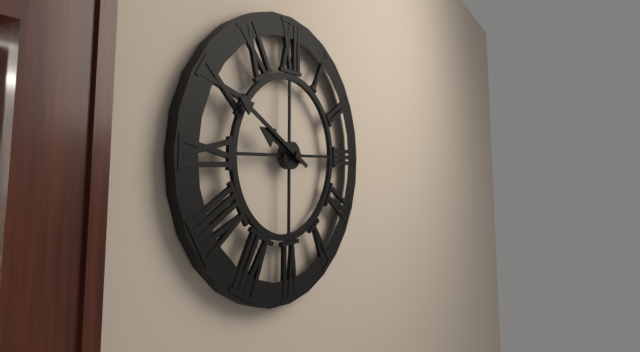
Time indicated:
9 h 50 min
